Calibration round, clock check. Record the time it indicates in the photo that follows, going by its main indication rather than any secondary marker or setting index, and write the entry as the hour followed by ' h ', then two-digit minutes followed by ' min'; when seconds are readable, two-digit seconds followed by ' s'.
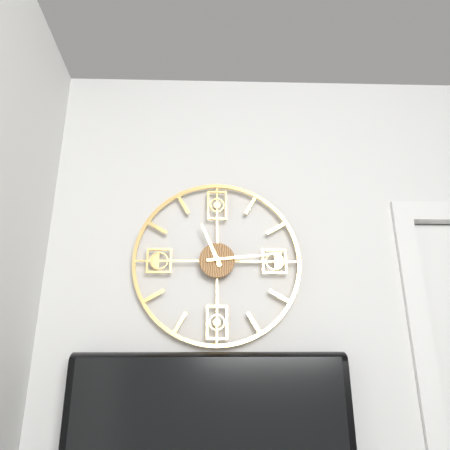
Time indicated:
11 h 14 min
